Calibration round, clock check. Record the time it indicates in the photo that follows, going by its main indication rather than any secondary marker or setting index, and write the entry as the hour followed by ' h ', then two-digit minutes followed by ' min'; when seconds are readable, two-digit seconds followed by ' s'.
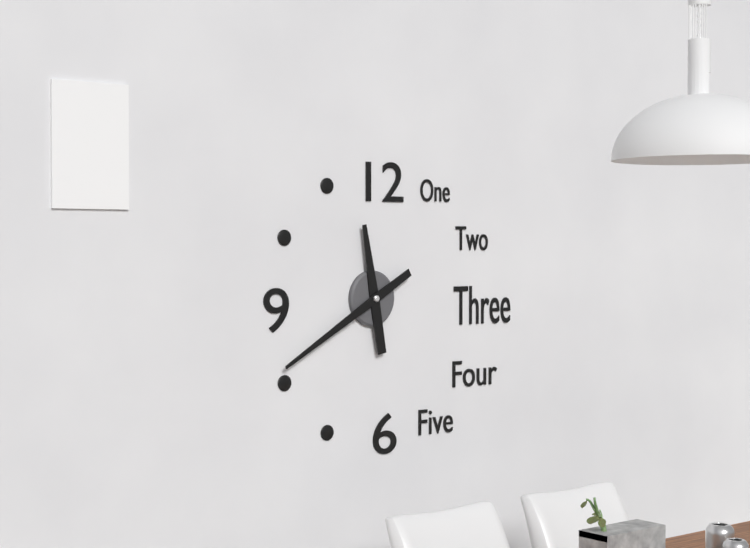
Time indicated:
11 h 40 min
